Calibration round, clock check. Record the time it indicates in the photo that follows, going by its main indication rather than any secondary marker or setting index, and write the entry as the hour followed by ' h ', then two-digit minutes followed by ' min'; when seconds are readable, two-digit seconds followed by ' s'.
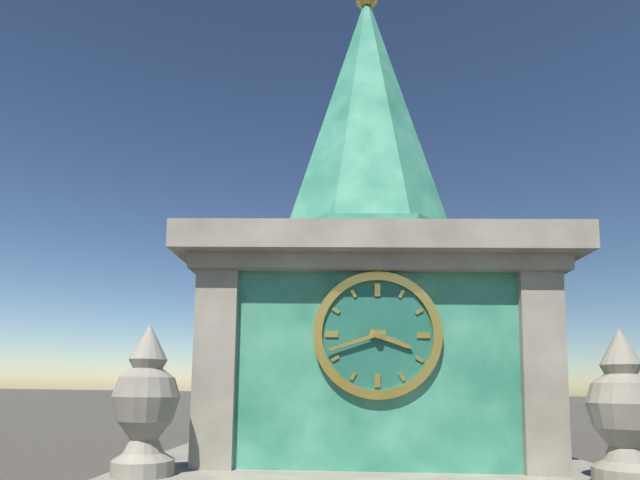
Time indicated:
3 h 42 min
